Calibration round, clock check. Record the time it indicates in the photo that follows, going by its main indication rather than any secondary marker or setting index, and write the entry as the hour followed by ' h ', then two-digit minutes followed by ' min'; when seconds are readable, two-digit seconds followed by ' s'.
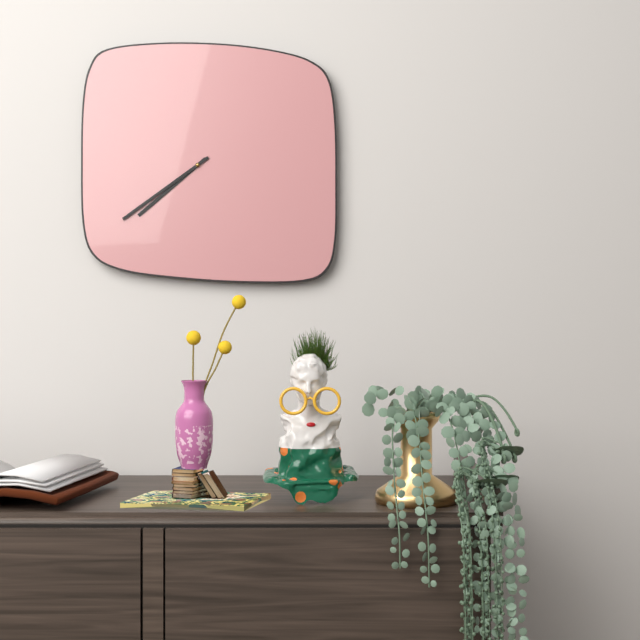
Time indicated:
7 h 39 min
